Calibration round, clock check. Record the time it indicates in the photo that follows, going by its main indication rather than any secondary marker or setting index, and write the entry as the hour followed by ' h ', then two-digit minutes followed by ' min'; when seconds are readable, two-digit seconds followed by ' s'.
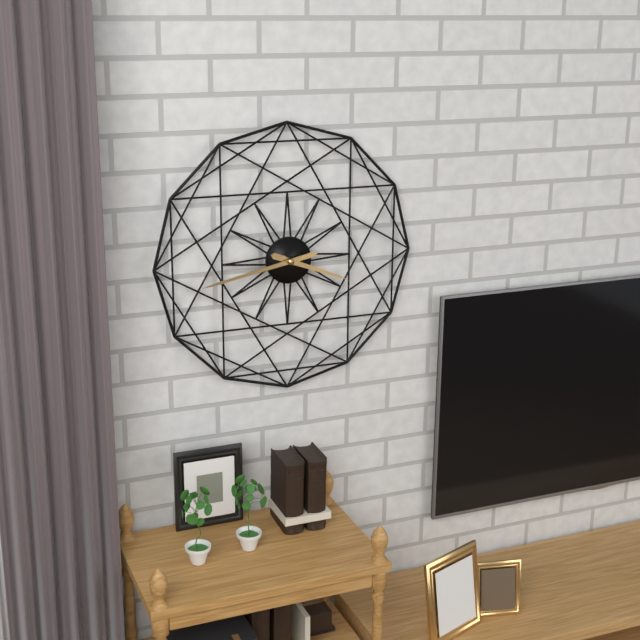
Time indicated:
3 h 43 min
